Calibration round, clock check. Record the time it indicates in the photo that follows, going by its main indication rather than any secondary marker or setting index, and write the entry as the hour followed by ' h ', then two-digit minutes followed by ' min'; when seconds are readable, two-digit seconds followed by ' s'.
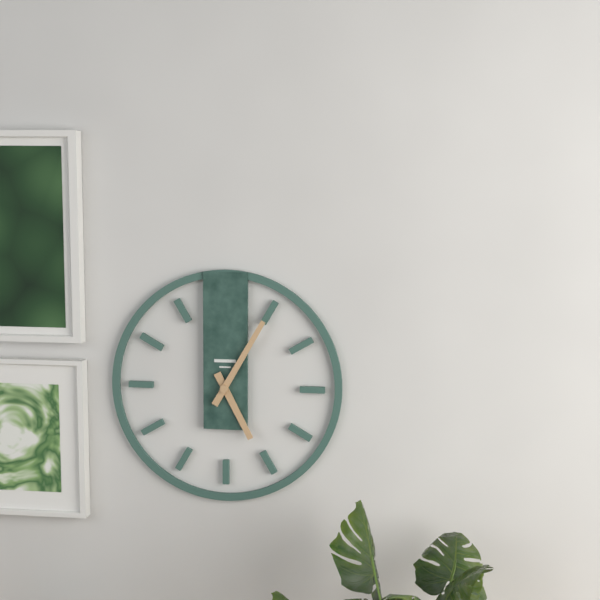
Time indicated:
5 h 05 min
